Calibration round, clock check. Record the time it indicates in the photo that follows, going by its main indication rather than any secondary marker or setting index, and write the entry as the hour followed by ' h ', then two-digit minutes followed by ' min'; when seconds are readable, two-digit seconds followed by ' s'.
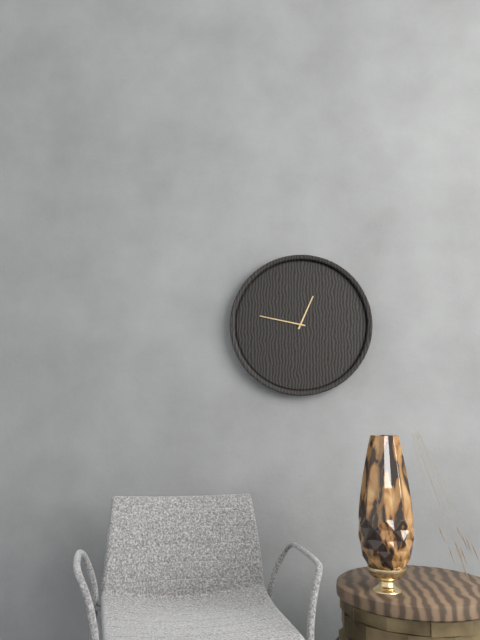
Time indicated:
12 h 47 min
